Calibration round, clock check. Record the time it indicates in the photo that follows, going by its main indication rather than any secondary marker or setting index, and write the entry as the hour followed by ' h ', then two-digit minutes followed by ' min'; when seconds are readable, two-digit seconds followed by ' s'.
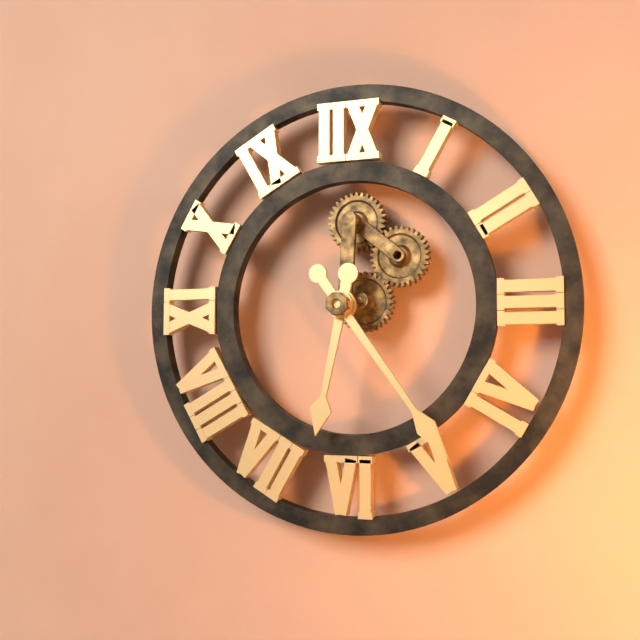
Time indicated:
6 h 24 min
